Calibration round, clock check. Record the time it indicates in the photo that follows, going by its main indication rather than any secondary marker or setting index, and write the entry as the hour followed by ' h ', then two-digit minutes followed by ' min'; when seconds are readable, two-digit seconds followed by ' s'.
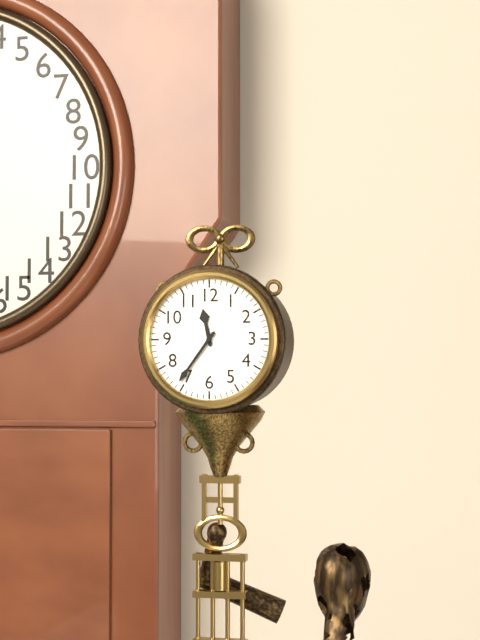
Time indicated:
11 h 36 min
